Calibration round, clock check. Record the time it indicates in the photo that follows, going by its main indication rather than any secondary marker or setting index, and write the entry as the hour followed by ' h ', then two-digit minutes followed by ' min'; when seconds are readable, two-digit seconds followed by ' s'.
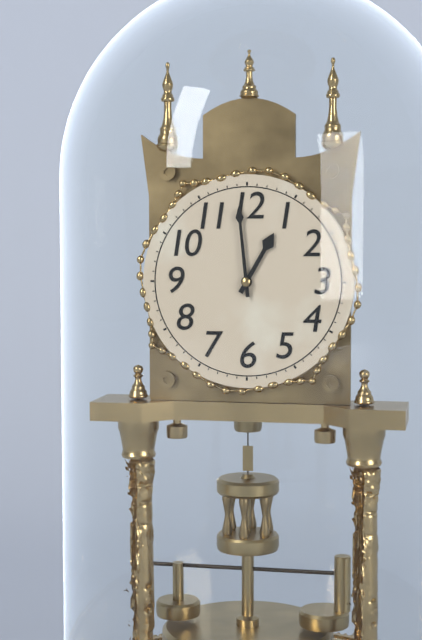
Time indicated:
12 h 59 min
